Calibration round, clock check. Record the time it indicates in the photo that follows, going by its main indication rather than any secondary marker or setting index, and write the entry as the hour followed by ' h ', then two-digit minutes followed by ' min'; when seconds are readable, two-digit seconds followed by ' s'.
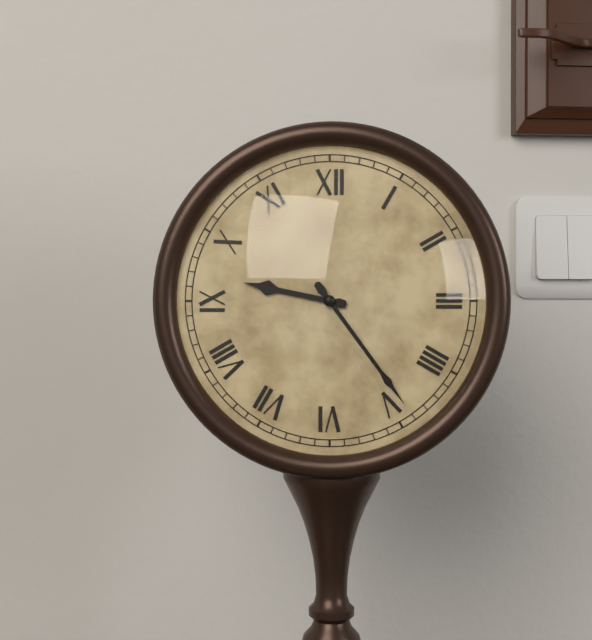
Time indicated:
9 h 24 min
